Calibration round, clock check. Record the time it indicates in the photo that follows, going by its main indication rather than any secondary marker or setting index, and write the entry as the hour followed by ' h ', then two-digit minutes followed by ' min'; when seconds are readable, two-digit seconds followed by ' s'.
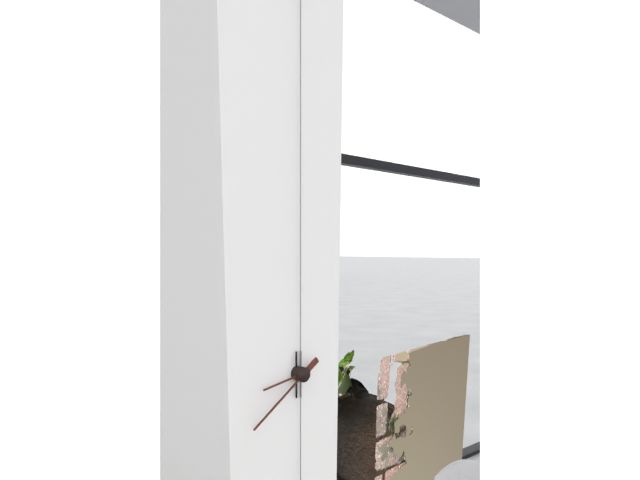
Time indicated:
8 h 39 min
